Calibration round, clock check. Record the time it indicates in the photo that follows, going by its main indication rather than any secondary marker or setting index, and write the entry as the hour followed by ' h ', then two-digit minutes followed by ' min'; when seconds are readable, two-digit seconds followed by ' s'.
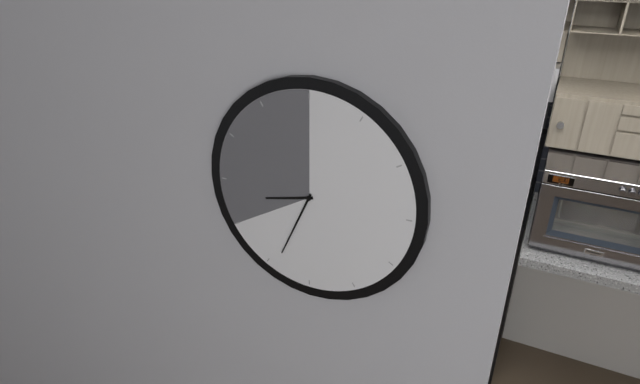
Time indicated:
8 h 34 min
